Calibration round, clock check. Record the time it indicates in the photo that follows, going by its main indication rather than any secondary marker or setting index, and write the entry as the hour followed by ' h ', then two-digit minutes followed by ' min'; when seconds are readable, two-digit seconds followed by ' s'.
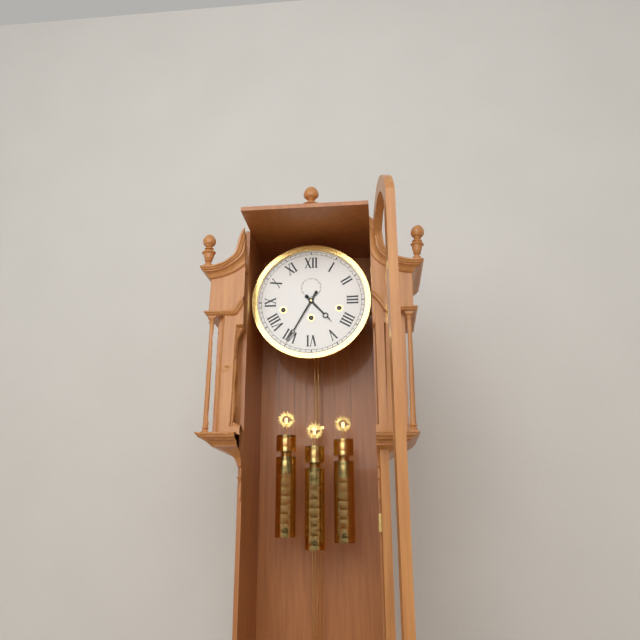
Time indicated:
4 h 35 min
